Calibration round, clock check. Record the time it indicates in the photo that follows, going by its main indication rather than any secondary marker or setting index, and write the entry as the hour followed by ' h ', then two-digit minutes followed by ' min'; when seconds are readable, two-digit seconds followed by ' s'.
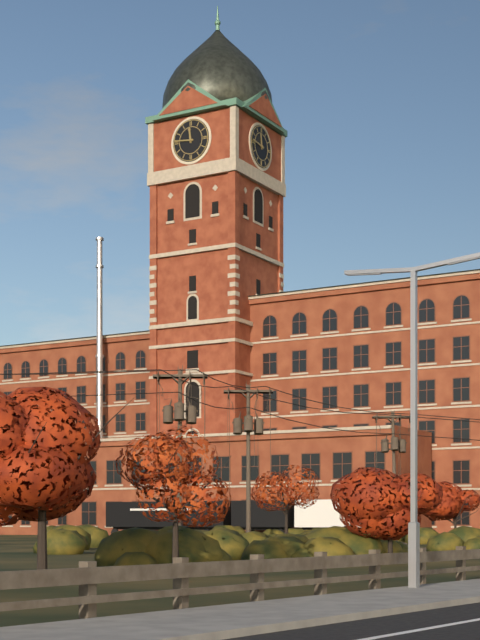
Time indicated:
11 h 46 min
